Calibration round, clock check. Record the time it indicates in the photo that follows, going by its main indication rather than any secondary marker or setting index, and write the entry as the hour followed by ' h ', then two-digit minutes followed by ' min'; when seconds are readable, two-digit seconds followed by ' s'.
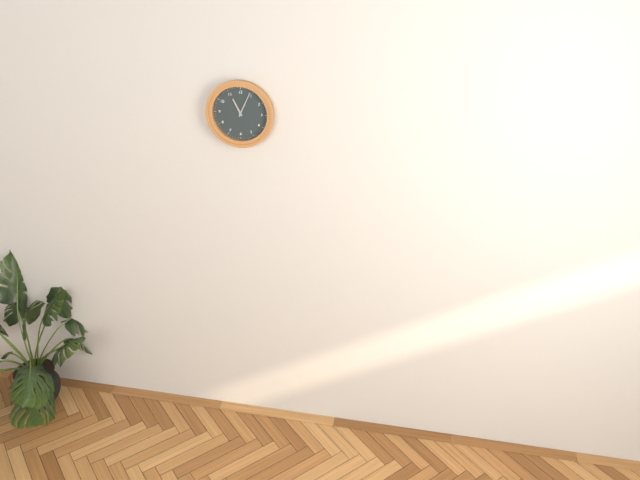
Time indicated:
11 h 04 min
